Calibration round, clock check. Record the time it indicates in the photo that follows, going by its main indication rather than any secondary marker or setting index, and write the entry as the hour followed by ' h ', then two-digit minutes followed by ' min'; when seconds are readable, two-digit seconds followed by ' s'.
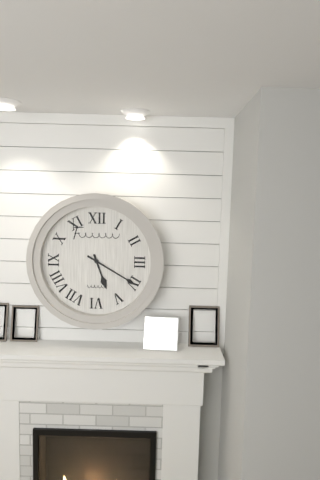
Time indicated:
5 h 20 min
